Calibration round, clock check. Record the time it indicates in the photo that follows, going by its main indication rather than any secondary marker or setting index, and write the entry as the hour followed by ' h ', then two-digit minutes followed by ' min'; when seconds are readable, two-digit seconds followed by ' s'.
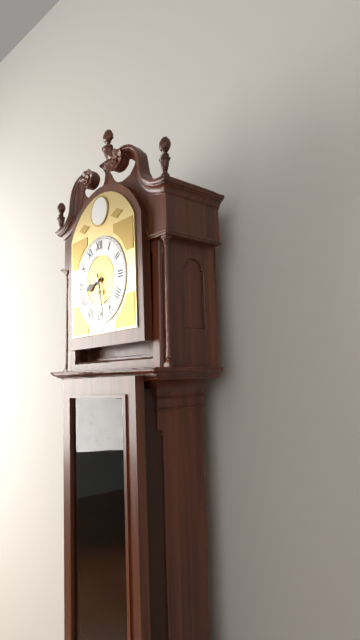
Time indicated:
8 h 28 min
